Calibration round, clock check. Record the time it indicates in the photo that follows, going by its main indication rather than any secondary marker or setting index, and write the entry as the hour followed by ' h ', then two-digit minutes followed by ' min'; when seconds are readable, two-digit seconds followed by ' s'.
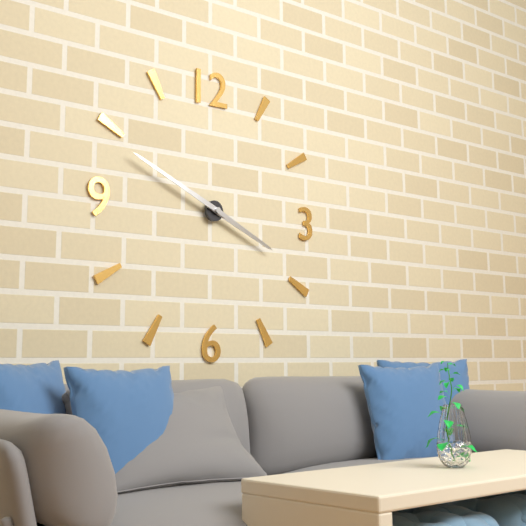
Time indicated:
3 h 49 min
